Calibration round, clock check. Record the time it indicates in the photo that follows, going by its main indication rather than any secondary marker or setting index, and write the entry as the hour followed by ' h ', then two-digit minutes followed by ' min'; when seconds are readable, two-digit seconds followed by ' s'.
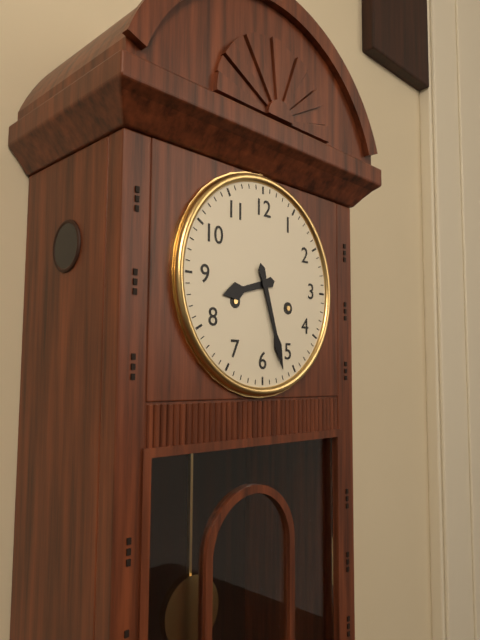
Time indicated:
8 h 27 min
